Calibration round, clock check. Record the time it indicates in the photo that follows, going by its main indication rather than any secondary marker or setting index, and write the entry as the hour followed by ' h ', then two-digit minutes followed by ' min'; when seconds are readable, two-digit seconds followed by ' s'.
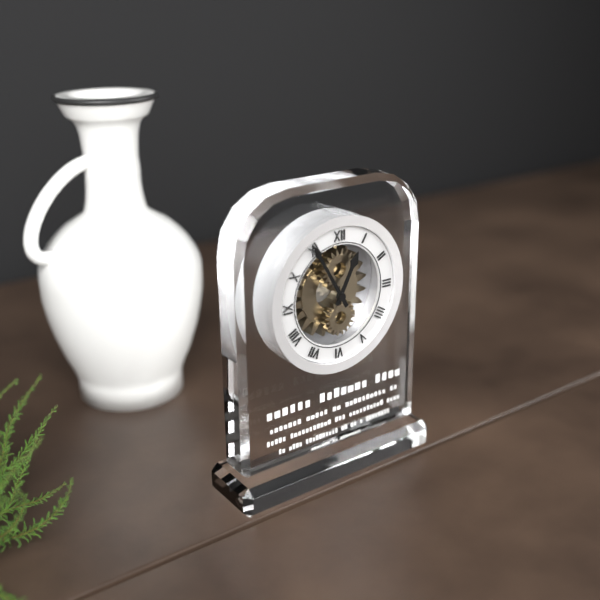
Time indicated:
12 h 55 min
